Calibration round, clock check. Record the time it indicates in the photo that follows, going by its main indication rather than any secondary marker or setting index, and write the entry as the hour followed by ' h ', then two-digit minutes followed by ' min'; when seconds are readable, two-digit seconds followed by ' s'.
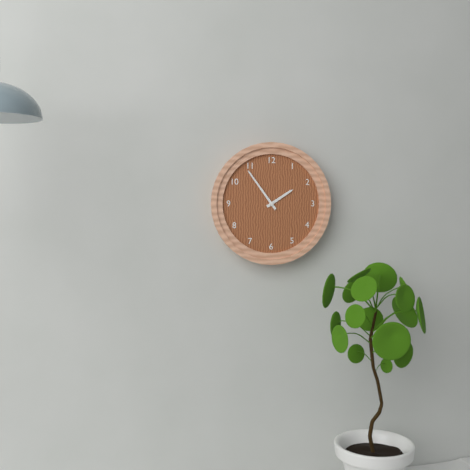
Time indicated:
1 h 54 min
